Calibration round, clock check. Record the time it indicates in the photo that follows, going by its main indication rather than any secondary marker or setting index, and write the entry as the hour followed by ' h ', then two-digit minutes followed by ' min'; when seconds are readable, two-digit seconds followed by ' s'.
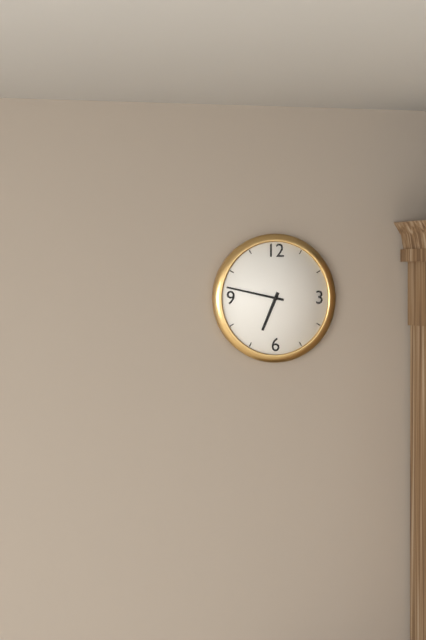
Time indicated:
6 h 47 min
